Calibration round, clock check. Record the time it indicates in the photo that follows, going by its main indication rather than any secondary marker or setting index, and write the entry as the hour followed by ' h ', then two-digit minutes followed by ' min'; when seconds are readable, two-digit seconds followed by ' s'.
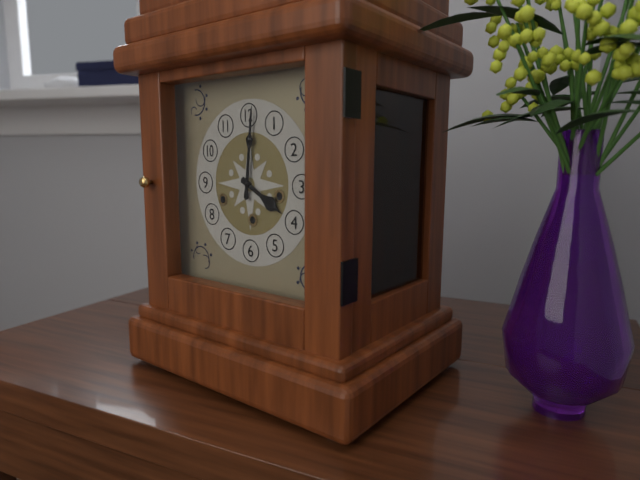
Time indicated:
4 h 01 min
